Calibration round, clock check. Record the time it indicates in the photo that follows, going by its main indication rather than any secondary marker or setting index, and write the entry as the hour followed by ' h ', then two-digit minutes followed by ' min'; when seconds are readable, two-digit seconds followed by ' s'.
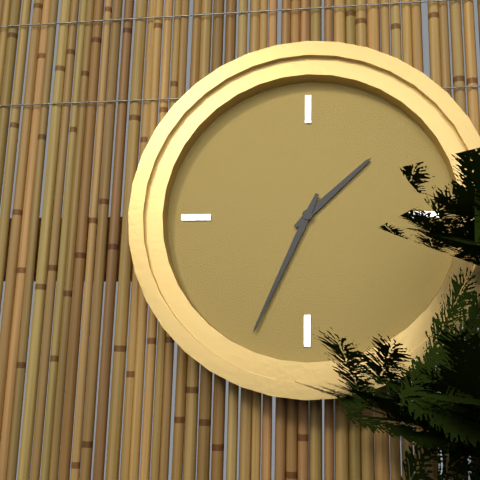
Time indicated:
1 h 34 min
